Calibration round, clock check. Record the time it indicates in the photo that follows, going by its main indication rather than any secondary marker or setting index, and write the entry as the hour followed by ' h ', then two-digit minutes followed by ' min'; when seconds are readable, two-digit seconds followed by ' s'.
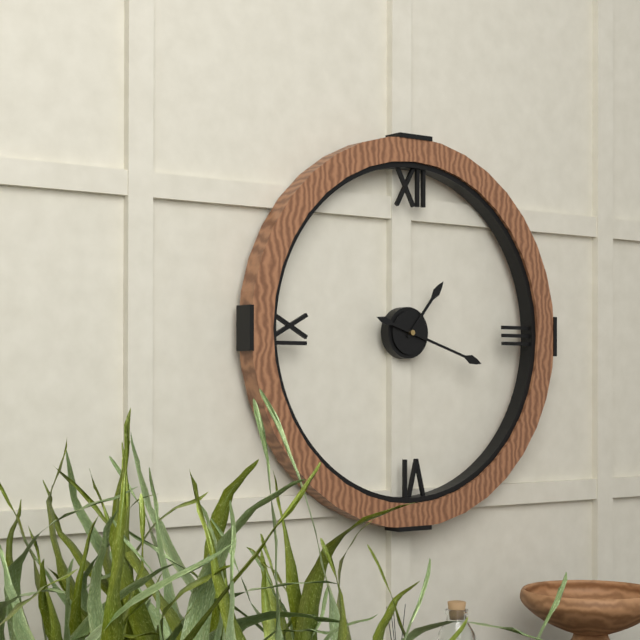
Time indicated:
1 h 18 min
